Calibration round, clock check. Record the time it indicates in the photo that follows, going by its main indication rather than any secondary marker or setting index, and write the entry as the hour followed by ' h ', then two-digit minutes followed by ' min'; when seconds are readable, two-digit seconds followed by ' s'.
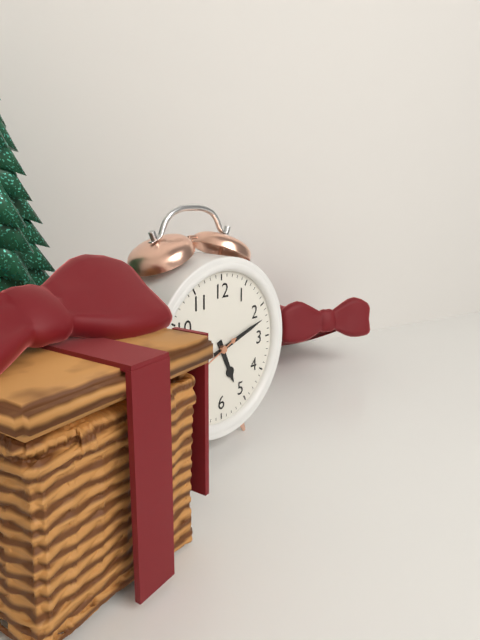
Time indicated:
5 h 12 min
